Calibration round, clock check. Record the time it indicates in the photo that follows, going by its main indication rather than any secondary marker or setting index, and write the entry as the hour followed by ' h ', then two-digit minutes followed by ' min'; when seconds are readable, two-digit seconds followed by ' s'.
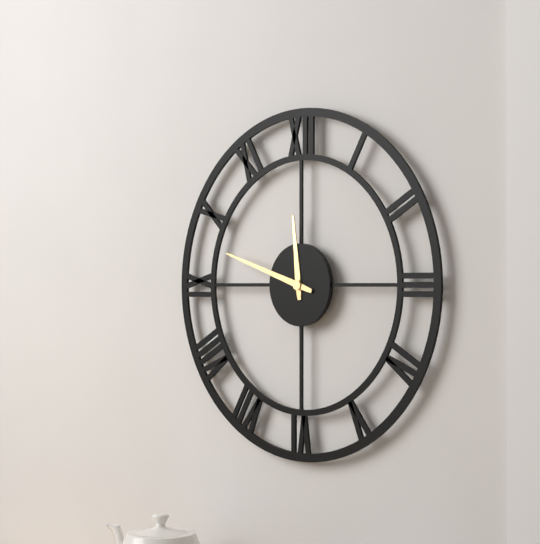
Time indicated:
11 h 48 min
